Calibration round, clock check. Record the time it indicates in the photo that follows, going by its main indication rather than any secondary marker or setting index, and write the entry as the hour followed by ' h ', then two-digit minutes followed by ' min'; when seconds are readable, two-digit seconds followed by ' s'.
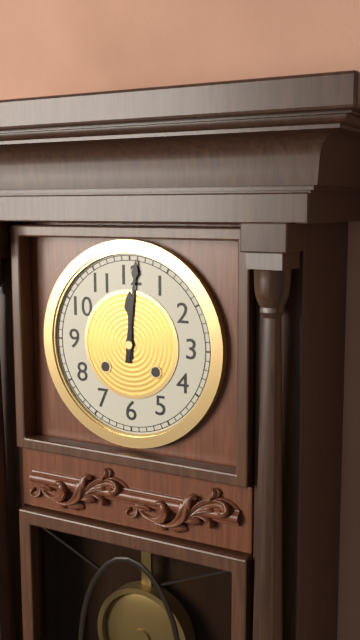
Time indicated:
12 h 01 min
